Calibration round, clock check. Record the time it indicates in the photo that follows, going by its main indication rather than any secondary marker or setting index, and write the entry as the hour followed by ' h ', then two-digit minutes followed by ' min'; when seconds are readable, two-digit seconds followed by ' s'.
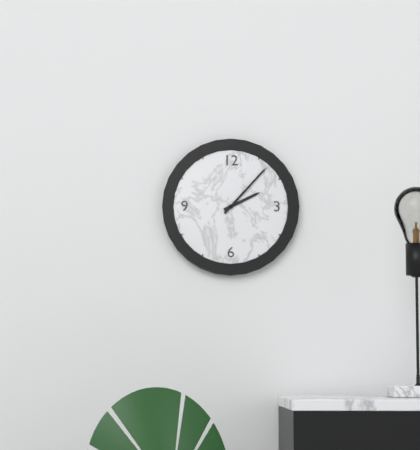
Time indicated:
2 h 07 min
